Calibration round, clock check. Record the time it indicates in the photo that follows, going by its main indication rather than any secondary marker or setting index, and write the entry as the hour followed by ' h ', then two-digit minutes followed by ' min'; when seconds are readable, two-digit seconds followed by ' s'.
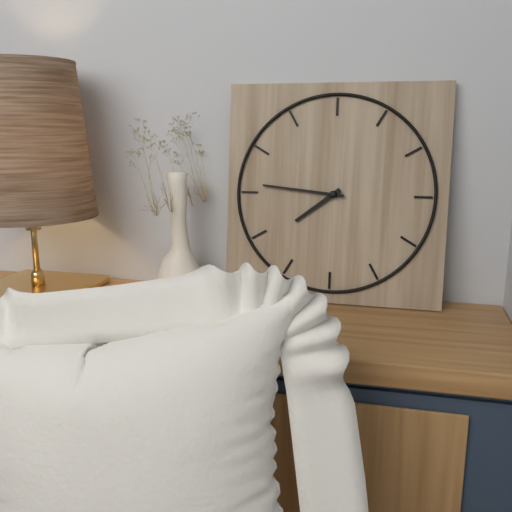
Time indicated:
7 h 46 min
